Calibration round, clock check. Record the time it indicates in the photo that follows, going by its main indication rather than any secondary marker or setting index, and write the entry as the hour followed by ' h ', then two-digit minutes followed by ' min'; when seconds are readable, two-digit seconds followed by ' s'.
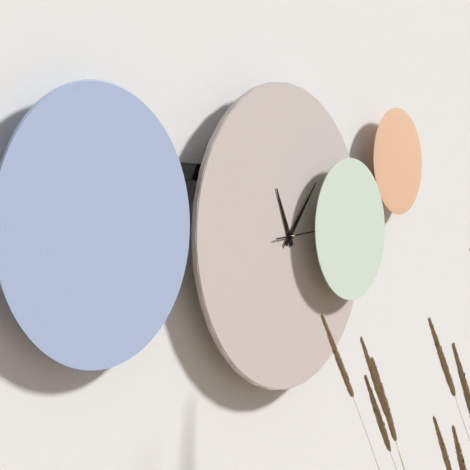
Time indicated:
11 h 07 min
